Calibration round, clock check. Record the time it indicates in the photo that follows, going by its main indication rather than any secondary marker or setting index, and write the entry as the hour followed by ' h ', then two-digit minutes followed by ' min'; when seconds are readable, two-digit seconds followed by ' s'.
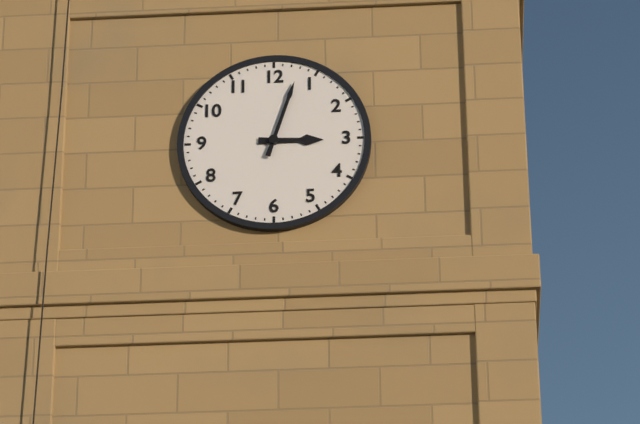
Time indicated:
3 h 03 min
